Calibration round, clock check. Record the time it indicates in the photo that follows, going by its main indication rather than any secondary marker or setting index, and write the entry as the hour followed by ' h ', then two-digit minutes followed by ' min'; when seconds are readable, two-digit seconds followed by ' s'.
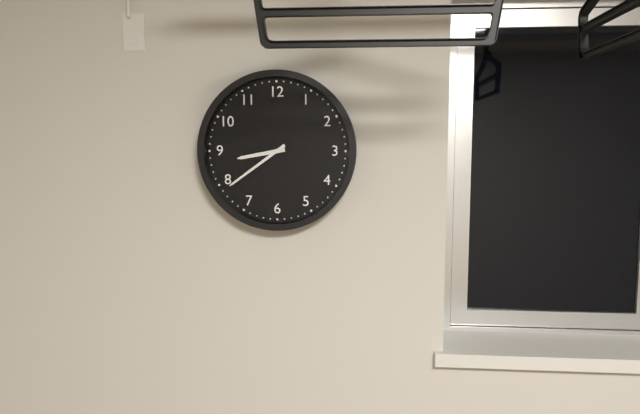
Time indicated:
8 h 39 min
